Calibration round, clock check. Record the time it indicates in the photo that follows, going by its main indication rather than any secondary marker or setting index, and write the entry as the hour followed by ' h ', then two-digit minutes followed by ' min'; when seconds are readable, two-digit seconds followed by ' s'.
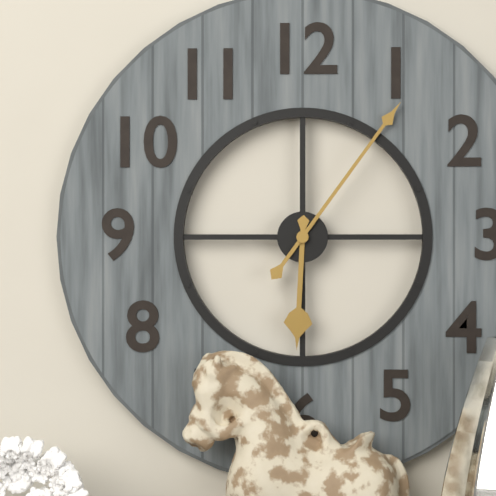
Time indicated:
6 h 06 min
